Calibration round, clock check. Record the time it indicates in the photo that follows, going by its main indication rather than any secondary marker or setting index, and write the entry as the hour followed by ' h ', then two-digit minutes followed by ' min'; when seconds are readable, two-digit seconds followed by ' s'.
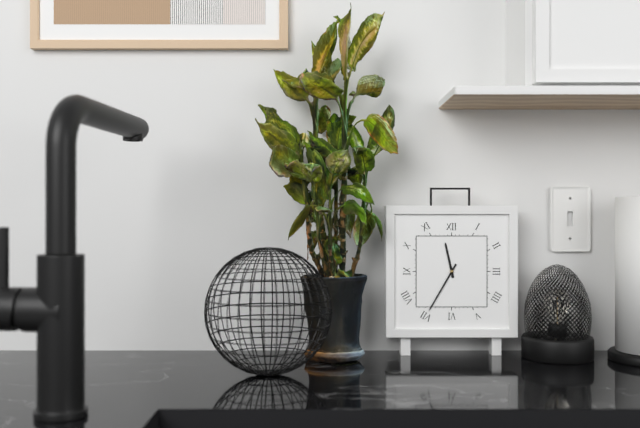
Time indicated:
11 h 35 min
